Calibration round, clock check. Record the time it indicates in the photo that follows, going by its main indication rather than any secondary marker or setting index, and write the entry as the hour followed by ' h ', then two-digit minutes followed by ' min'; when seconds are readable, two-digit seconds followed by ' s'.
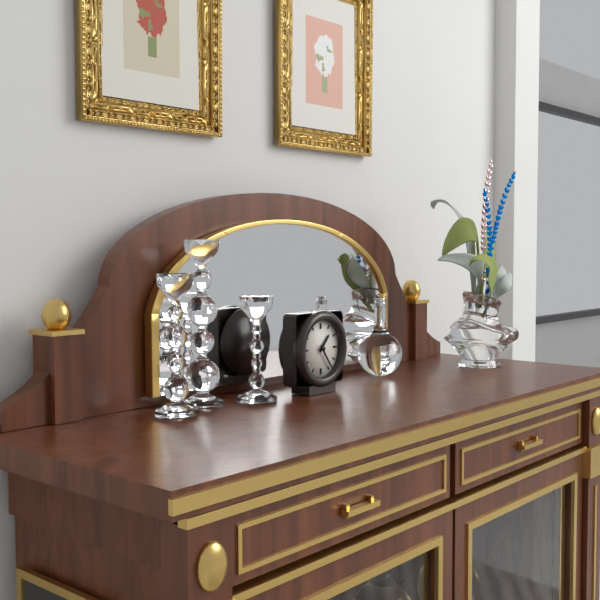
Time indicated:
1 h 24 min
